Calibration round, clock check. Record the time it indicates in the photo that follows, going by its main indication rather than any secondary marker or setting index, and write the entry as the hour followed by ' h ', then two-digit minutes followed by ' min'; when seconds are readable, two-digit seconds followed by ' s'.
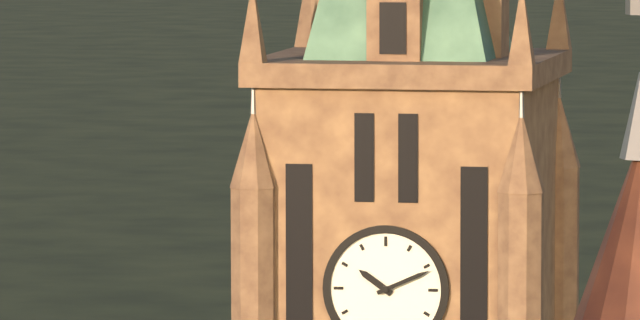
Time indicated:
10 h 11 min
